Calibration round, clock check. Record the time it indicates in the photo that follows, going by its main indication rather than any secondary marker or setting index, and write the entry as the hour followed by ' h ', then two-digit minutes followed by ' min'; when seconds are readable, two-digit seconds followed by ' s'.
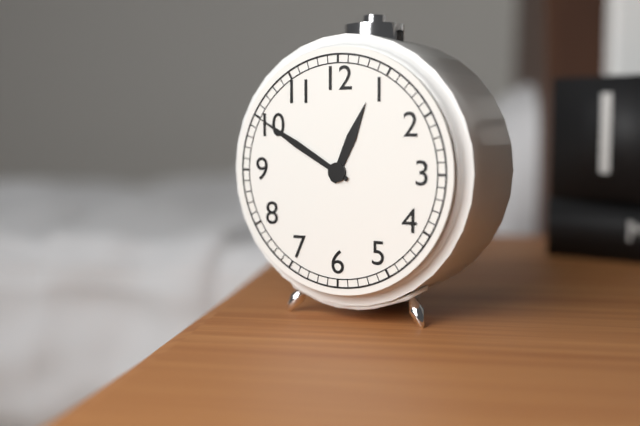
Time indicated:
12 h 50 min
